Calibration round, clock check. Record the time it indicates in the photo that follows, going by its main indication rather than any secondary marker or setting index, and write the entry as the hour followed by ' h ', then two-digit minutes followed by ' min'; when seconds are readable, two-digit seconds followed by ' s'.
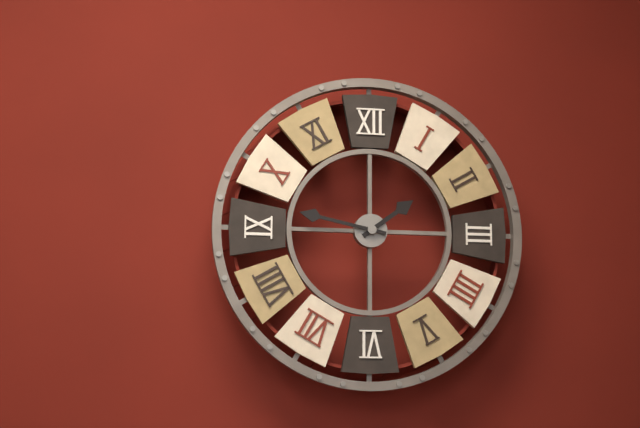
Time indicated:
1 h 47 min
